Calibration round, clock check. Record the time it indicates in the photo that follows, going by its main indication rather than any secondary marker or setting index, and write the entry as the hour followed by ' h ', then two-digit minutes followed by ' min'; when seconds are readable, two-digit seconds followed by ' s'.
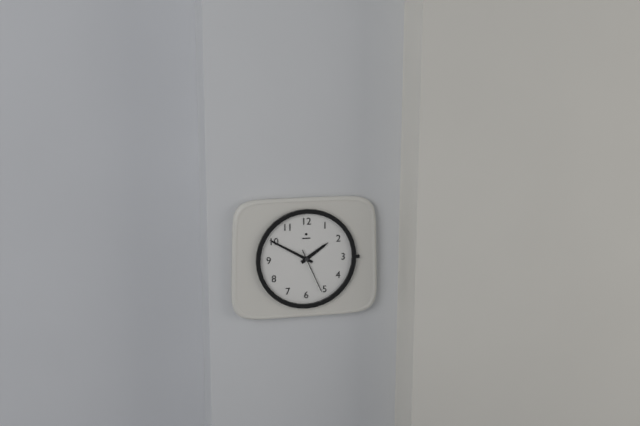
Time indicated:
1 h 50 min
